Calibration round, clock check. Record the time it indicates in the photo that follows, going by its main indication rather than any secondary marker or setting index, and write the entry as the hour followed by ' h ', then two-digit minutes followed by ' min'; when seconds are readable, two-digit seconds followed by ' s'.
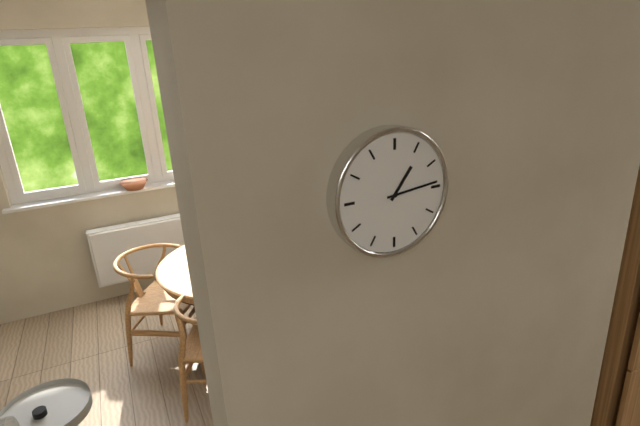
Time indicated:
1 h 14 min
